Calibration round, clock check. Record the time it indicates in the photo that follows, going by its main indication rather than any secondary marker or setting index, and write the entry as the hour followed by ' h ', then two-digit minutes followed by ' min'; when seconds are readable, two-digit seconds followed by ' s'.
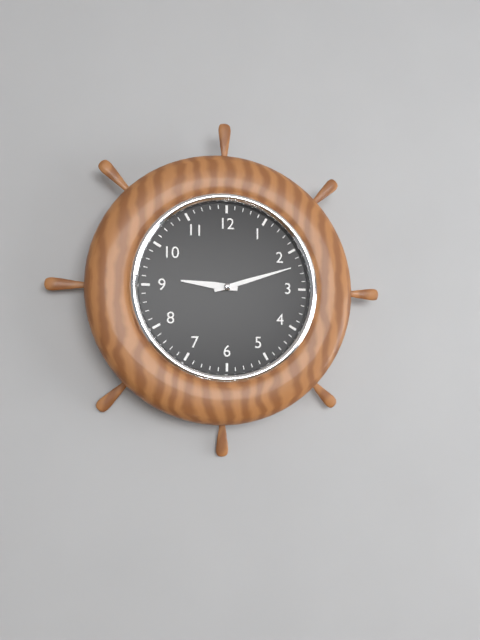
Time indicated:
9 h 12 min
